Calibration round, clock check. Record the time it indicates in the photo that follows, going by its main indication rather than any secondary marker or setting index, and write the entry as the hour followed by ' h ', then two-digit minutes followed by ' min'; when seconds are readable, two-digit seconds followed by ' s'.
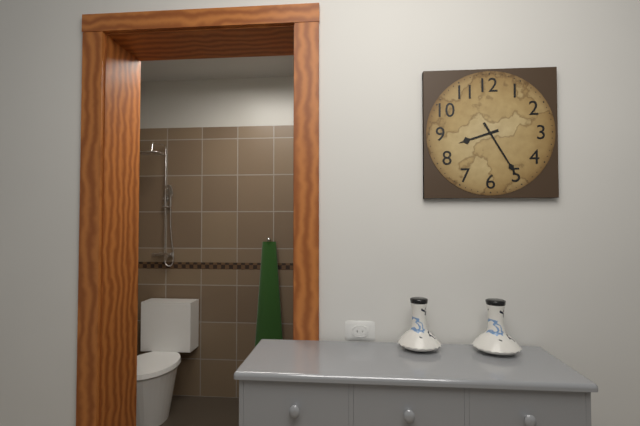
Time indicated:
8 h 25 min
